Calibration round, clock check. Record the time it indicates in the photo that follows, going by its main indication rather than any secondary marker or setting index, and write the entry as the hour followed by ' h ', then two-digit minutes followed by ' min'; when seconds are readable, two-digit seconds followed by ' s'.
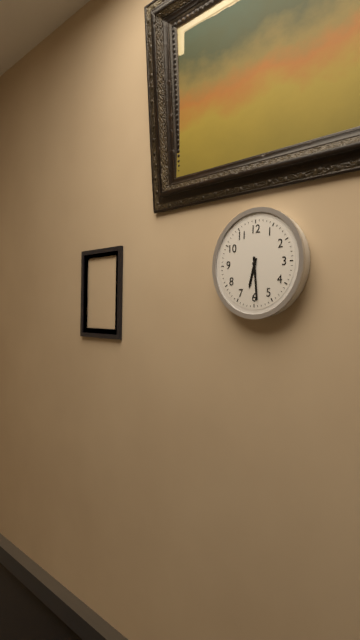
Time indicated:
6 h 29 min
